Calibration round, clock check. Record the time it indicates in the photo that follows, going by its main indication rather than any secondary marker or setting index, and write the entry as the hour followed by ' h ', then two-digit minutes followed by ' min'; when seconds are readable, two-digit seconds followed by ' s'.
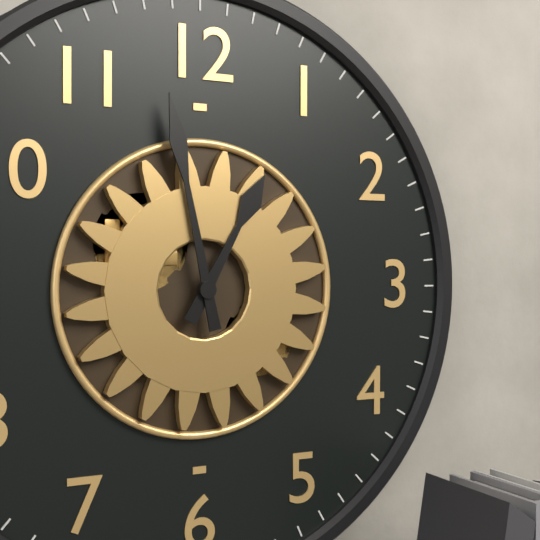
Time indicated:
12 h 58 min
